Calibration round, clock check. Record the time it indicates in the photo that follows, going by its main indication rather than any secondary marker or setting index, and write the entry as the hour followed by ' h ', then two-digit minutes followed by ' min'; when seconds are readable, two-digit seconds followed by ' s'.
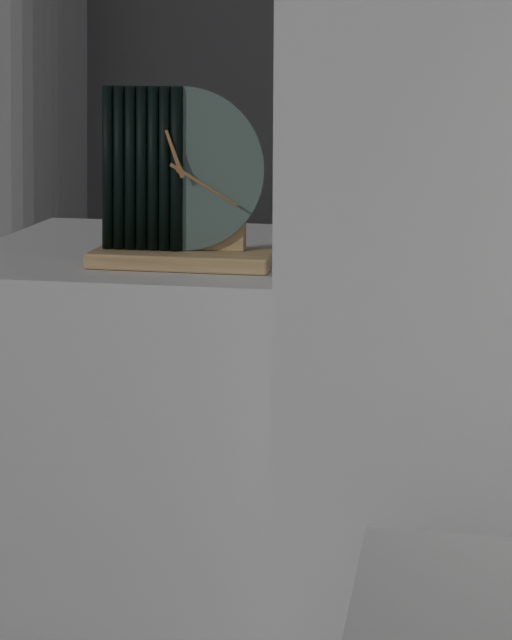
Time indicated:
11 h 20 min
